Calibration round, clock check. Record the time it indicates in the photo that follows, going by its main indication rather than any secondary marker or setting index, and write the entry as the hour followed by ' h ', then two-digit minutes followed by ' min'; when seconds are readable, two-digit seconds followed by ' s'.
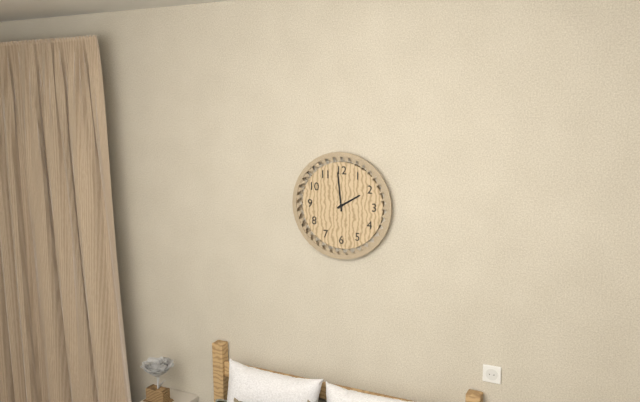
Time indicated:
1 h 59 min
